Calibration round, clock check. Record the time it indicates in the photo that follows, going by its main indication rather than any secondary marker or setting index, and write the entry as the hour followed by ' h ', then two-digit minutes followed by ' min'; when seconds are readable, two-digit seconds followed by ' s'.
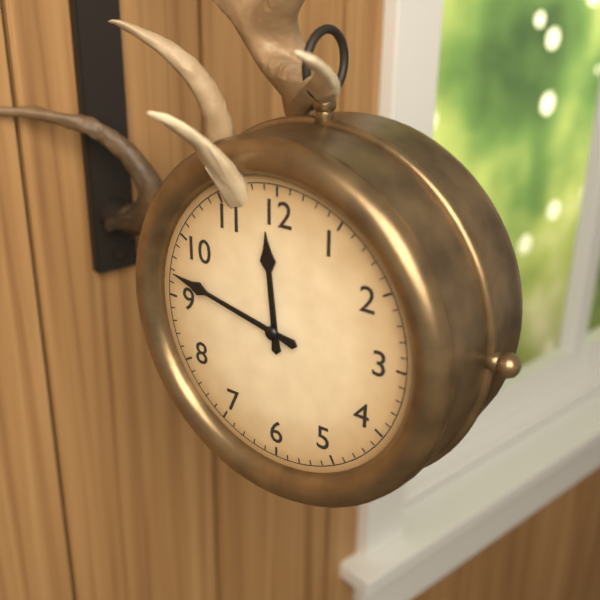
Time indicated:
11 h 47 min
